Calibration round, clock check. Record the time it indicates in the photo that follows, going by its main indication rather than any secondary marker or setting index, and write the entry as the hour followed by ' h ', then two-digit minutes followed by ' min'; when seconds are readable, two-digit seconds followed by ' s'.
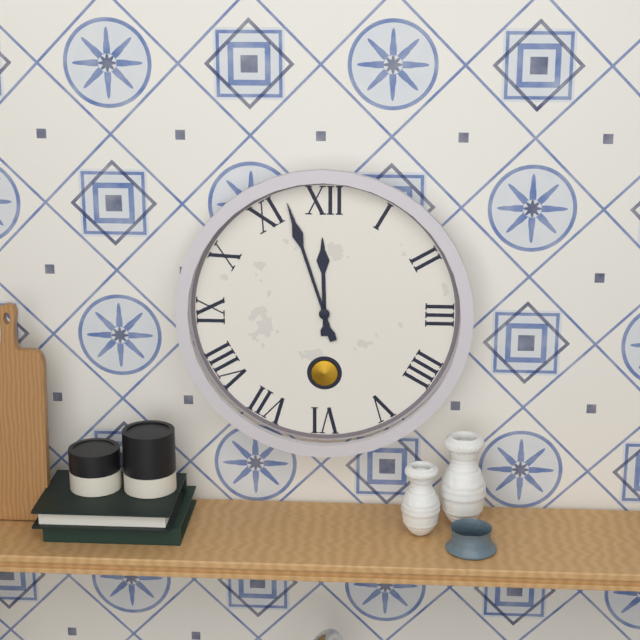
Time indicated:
11 h 57 min
